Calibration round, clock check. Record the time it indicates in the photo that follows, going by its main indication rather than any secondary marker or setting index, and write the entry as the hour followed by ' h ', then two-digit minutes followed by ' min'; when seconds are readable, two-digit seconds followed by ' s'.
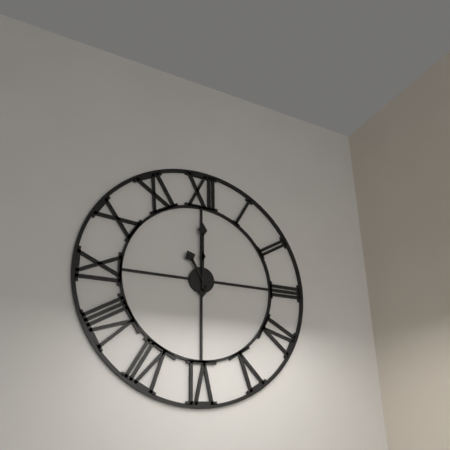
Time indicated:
11 h 00 min
